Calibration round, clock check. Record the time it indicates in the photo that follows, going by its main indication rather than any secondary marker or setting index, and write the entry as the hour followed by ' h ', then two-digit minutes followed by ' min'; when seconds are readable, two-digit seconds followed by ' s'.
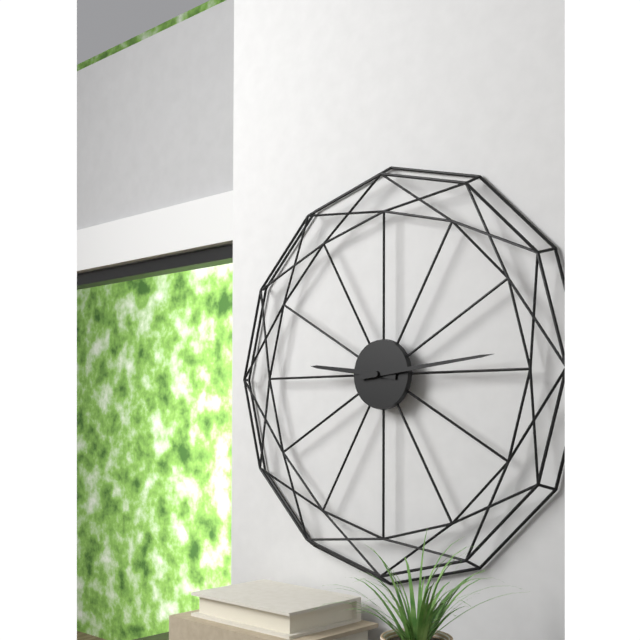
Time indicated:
9 h 14 min
